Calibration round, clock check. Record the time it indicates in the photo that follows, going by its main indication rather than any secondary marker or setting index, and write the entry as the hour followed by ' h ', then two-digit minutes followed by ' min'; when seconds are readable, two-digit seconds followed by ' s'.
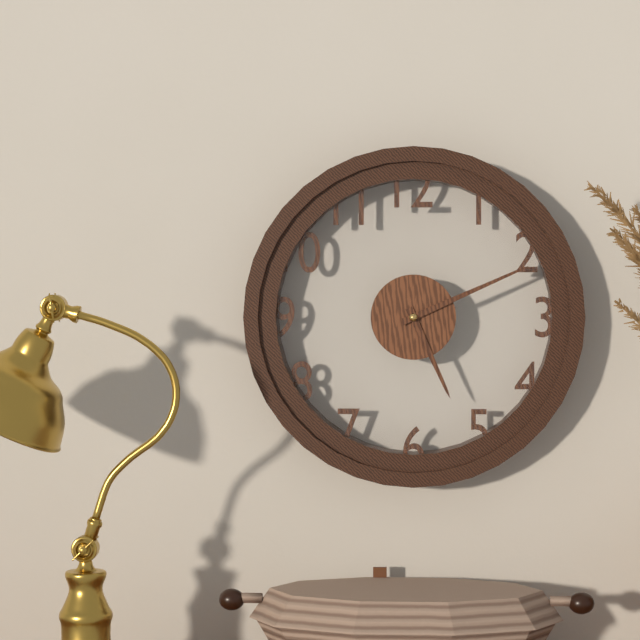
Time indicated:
5 h 11 min
